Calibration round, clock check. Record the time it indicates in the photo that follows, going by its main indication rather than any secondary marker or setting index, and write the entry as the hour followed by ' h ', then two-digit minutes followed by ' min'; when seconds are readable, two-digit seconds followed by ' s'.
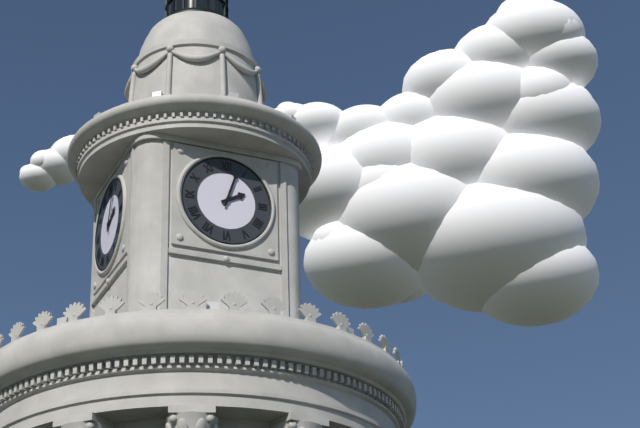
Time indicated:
2 h 03 min
